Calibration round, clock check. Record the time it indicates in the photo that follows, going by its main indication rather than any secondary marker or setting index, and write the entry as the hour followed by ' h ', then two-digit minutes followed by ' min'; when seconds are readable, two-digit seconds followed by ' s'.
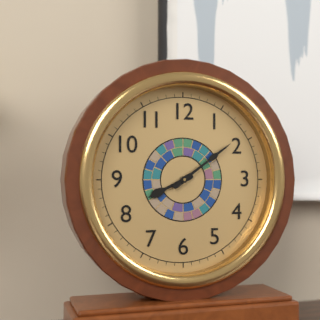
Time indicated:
8 h 09 min
